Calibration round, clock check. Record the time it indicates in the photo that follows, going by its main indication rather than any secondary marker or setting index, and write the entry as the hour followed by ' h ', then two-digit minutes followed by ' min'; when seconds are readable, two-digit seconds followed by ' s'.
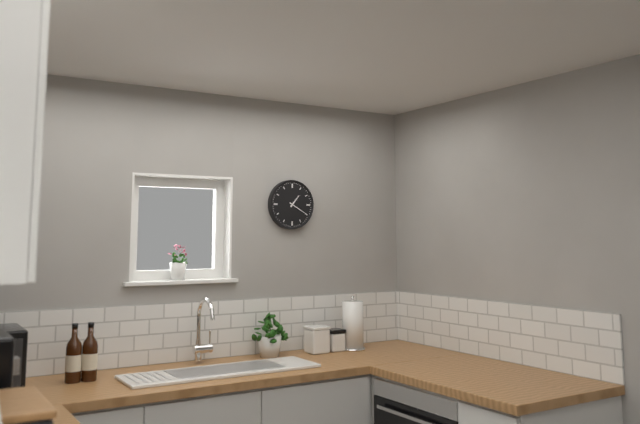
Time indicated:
1 h 20 min
